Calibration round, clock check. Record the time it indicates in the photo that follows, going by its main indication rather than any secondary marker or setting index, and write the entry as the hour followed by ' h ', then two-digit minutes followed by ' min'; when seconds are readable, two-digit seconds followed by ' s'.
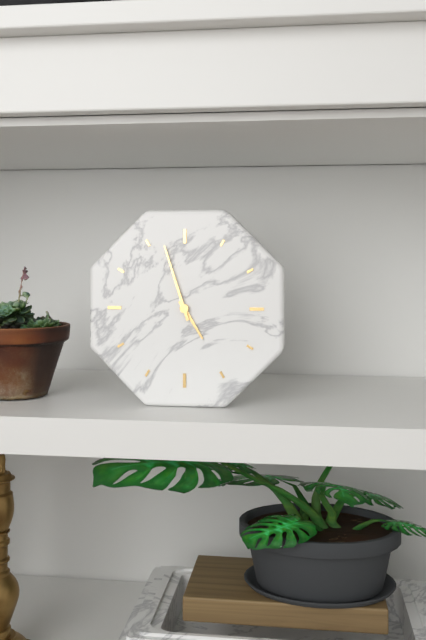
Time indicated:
4 h 57 min
